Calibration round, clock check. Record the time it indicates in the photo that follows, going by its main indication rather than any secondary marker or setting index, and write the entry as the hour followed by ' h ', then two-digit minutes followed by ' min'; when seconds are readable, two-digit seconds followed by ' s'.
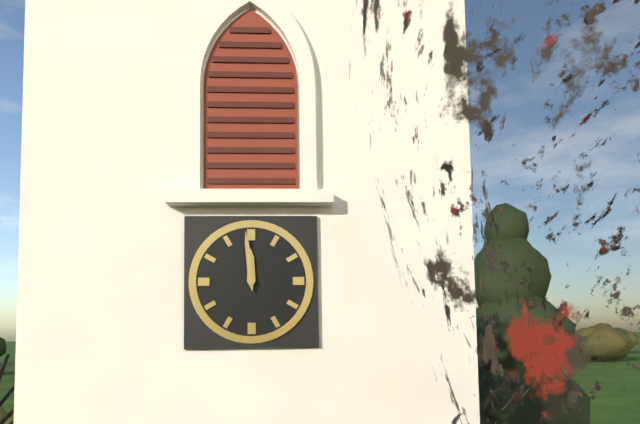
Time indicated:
11 h 59 min
